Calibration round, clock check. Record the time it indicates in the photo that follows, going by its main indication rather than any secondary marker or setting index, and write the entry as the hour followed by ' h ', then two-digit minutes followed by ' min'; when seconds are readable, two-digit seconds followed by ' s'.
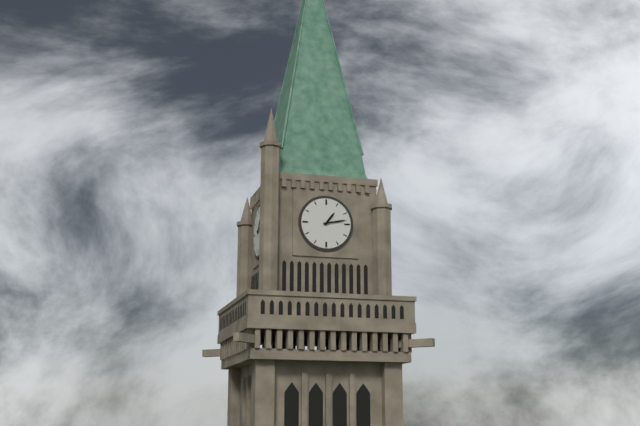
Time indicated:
1 h 13 min
